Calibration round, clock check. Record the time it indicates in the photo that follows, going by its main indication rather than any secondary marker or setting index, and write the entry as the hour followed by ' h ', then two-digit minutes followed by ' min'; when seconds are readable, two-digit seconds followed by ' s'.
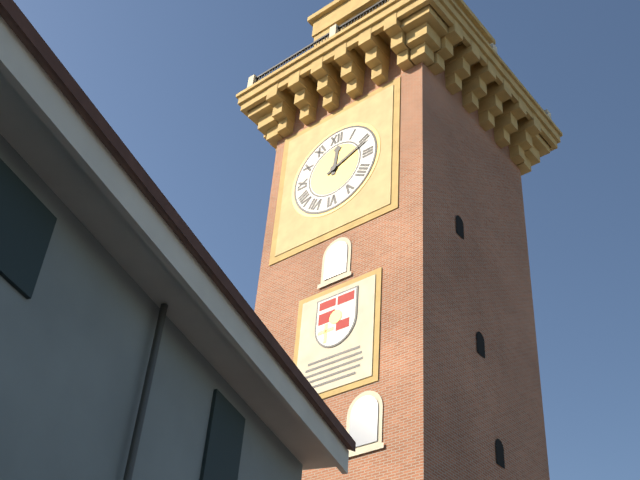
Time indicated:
12 h 11 min
